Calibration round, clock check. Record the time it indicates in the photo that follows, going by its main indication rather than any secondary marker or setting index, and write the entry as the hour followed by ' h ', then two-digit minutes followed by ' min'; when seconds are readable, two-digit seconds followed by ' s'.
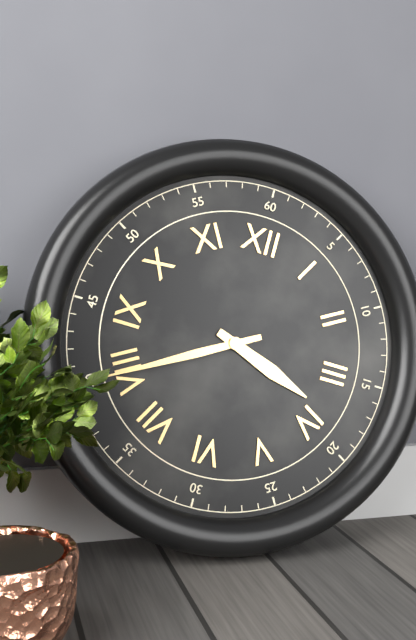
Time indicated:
3 h 40 min
